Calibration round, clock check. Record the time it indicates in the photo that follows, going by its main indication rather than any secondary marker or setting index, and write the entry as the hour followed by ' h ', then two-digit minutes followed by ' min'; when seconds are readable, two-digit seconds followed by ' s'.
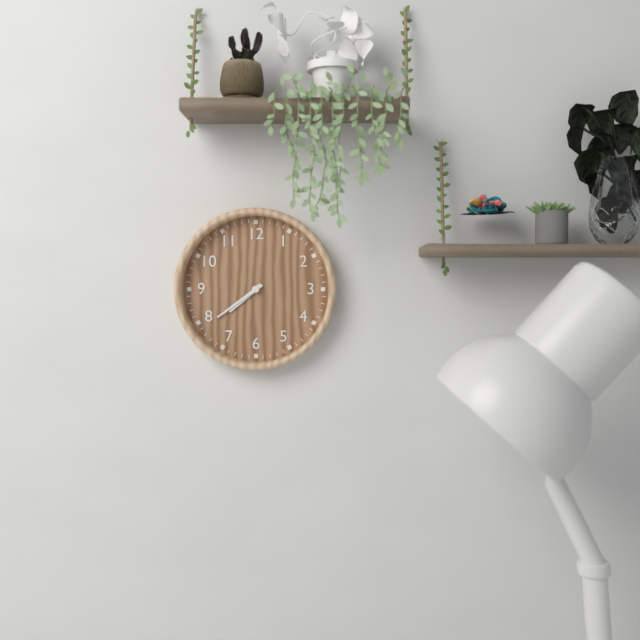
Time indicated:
7 h 39 min
